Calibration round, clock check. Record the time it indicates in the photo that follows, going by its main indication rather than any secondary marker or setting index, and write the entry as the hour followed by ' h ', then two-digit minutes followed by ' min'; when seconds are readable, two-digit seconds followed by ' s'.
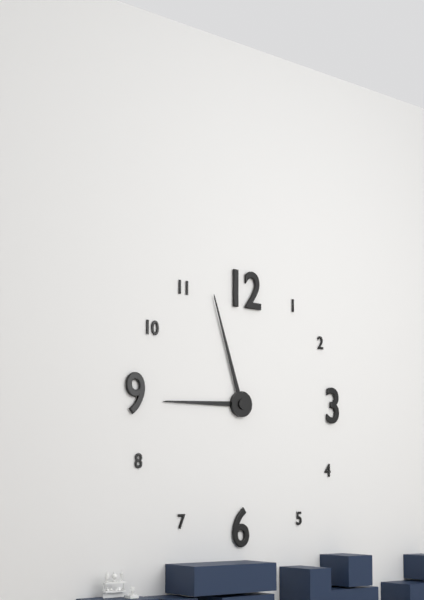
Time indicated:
8 h 57 min
